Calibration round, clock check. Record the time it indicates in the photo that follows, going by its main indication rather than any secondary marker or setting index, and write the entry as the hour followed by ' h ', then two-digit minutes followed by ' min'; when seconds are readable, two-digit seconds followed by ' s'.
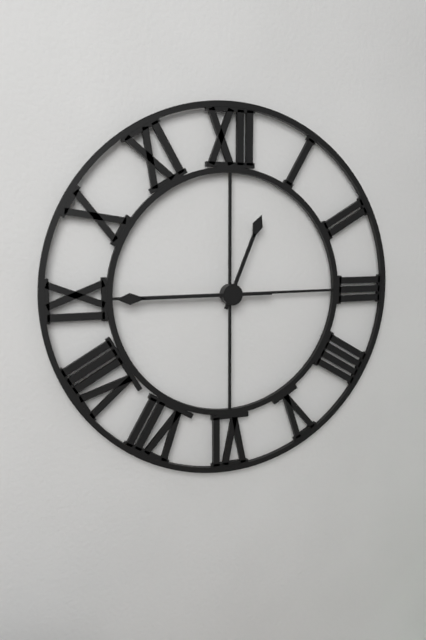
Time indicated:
12 h 45 min
